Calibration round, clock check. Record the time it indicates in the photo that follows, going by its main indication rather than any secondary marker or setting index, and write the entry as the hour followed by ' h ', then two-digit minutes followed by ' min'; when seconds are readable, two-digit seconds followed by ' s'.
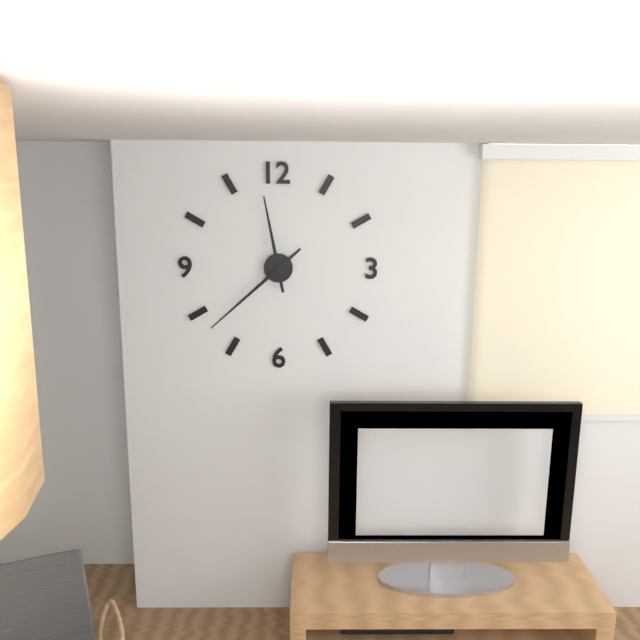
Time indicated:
11 h 38 min
